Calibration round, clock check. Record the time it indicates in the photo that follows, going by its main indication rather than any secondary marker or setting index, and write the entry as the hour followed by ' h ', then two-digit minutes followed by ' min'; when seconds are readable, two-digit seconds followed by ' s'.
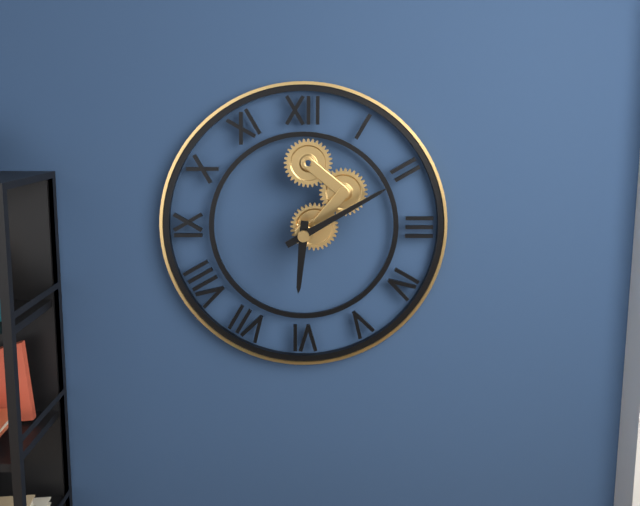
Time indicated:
6 h 10 min
